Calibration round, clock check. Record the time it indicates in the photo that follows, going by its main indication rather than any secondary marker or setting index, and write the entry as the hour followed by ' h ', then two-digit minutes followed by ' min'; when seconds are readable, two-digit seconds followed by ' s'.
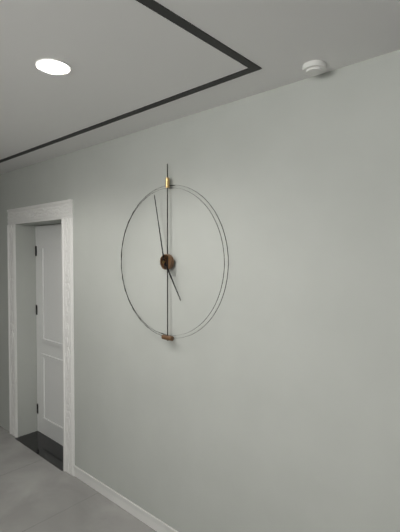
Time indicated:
4 h 58 min
